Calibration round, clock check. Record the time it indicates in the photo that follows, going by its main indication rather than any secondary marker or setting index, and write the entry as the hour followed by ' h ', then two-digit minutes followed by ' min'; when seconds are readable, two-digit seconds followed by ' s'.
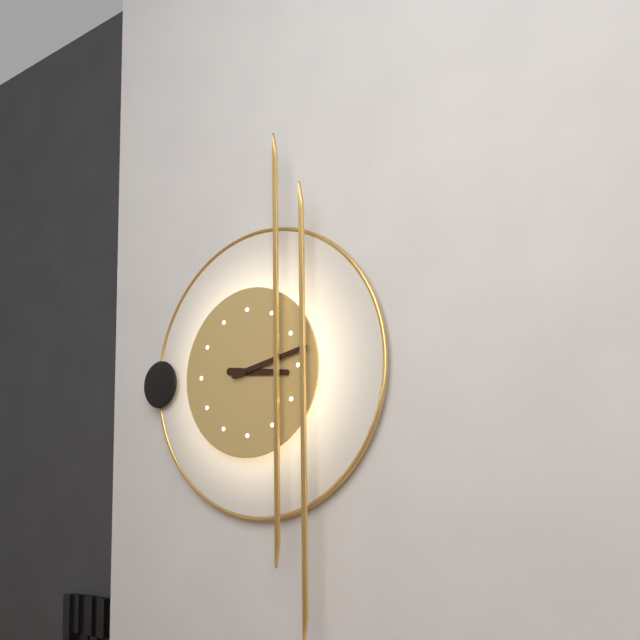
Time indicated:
3 h 13 min
